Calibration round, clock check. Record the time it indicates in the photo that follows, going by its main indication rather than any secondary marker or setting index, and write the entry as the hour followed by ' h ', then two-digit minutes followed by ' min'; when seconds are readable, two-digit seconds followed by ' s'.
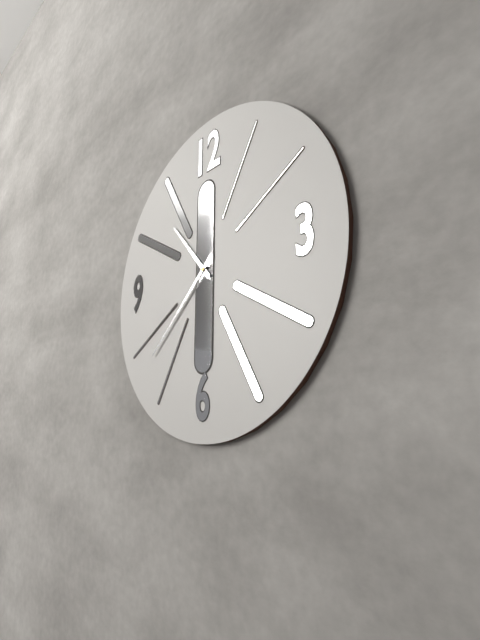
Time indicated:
10 h 38 min
